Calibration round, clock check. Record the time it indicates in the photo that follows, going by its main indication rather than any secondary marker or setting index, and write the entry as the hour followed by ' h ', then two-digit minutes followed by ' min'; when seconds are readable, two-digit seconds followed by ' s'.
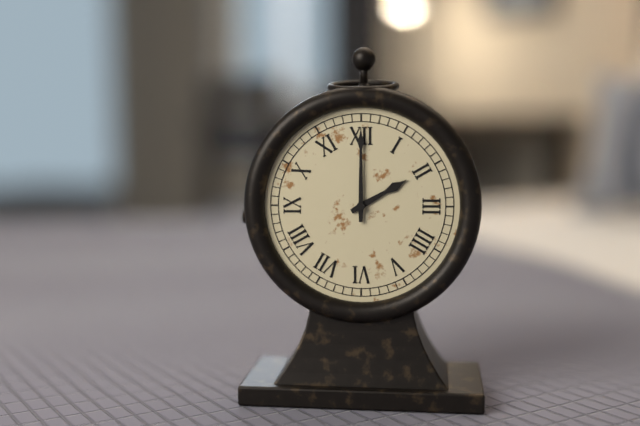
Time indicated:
2 h 00 min
